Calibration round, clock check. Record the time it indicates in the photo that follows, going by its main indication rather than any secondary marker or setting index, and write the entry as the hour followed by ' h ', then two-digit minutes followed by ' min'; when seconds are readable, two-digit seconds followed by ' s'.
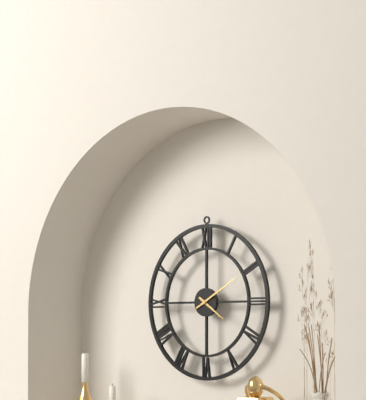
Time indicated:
4 h 10 min
